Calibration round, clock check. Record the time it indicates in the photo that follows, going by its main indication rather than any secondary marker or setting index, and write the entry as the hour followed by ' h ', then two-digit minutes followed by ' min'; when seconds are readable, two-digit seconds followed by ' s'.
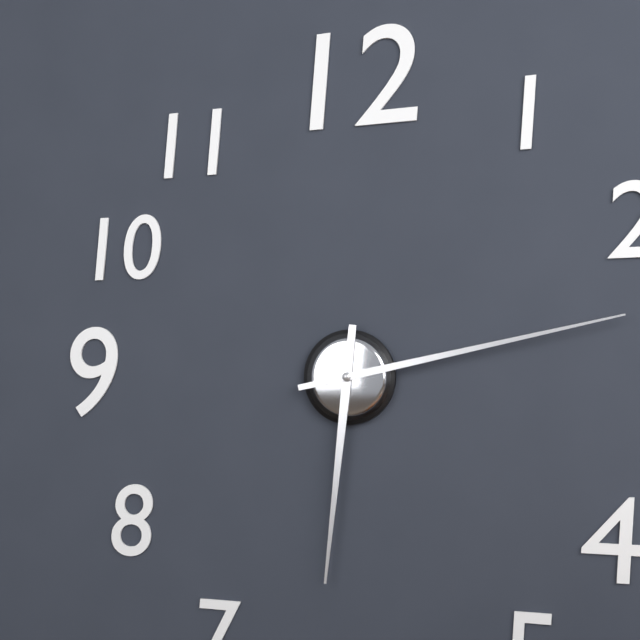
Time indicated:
6 h 13 min
